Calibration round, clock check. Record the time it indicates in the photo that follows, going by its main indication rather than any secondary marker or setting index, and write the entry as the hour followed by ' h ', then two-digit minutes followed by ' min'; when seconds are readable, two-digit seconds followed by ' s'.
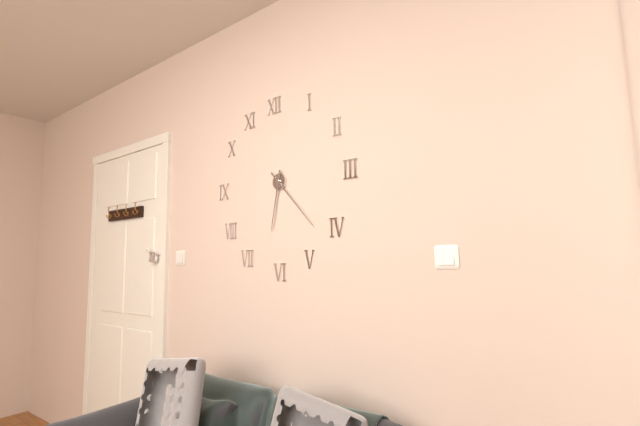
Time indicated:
6 h 23 min
